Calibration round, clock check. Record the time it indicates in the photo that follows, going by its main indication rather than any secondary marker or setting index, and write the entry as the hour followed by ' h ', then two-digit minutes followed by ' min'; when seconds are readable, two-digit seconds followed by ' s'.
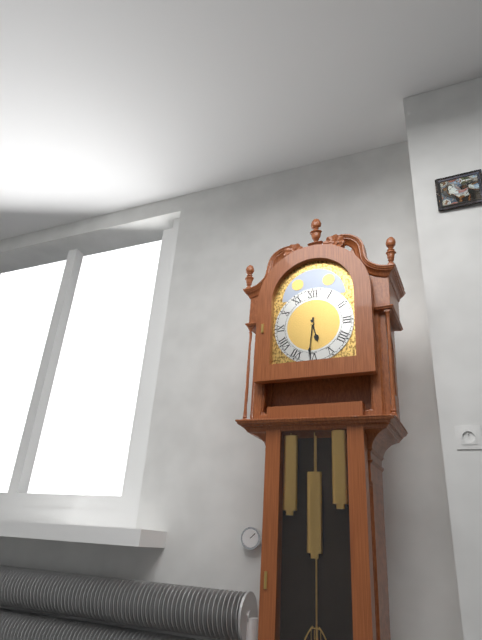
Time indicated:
5 h 31 min
